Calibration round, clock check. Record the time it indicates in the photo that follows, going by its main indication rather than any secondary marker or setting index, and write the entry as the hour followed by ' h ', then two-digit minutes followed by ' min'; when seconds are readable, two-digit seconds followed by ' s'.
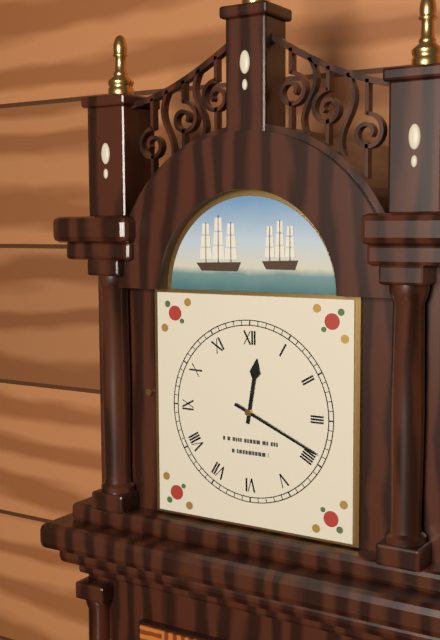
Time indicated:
12 h 19 min
